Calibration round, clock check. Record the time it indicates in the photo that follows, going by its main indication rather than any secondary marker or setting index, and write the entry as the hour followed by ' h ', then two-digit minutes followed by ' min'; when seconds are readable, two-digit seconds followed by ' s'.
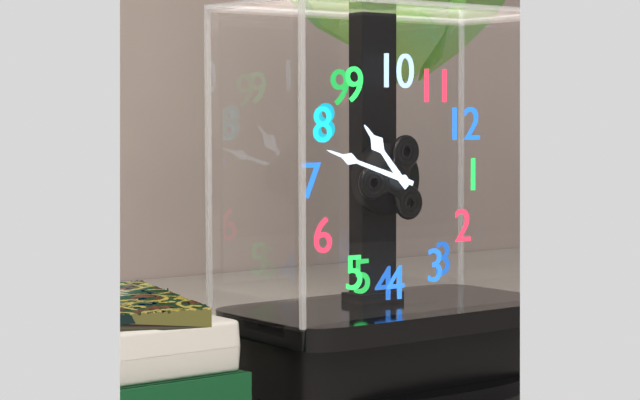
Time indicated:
8 h 38 min
